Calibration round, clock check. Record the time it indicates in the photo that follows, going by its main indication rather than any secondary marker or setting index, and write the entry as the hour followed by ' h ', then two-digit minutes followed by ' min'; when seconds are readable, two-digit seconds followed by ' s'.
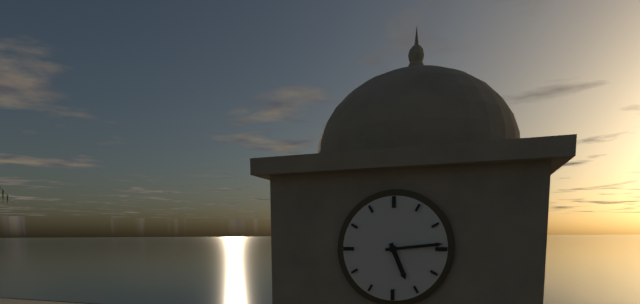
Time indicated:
5 h 14 min
